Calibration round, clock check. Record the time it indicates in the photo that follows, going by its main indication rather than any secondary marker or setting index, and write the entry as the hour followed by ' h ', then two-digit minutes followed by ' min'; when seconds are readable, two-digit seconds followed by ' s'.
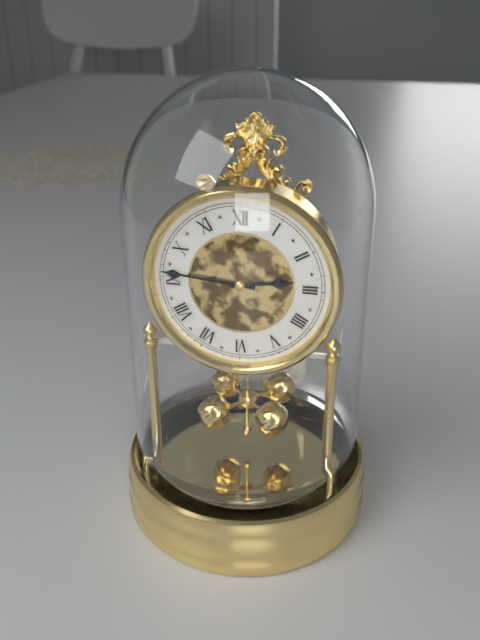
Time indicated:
2 h 46 min
